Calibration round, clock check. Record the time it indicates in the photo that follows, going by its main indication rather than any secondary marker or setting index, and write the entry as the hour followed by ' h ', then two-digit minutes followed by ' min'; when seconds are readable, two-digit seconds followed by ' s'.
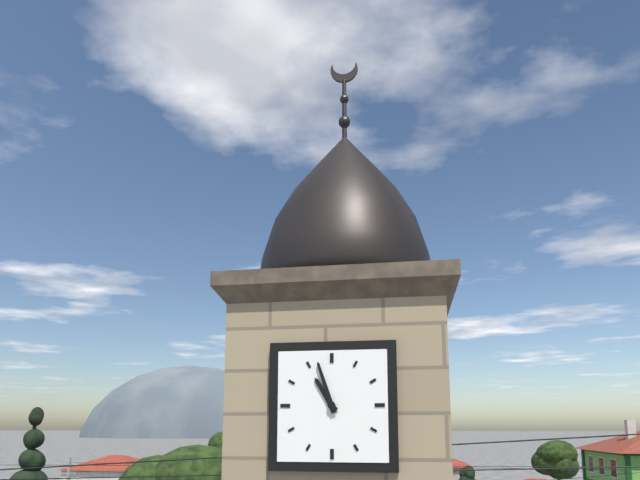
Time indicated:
10 h 57 min
